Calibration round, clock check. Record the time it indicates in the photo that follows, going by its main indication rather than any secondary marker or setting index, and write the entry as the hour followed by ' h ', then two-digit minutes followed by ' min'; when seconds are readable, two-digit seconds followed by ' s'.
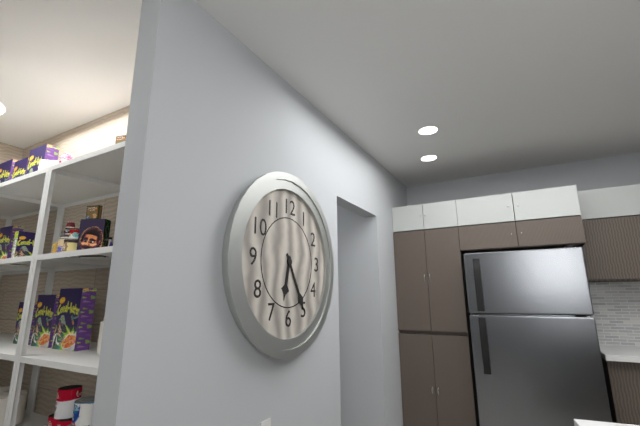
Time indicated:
6 h 25 min
